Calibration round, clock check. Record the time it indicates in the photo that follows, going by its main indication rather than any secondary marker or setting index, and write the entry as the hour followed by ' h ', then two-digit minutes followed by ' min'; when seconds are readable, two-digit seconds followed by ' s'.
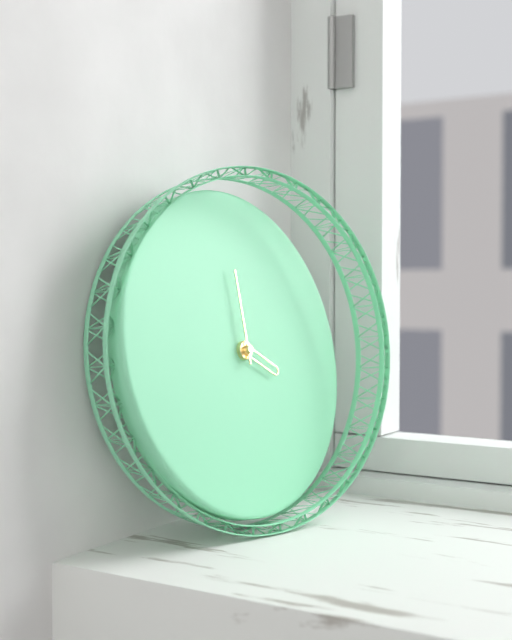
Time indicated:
4 h 00 min
